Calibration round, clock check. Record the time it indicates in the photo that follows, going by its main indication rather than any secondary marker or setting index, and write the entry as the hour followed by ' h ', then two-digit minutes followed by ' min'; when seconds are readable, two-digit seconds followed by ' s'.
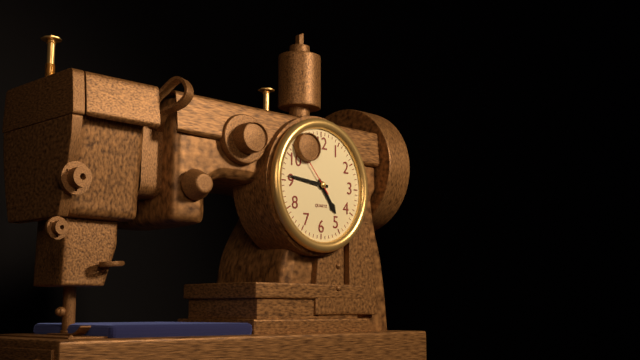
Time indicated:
4 h 46 min
